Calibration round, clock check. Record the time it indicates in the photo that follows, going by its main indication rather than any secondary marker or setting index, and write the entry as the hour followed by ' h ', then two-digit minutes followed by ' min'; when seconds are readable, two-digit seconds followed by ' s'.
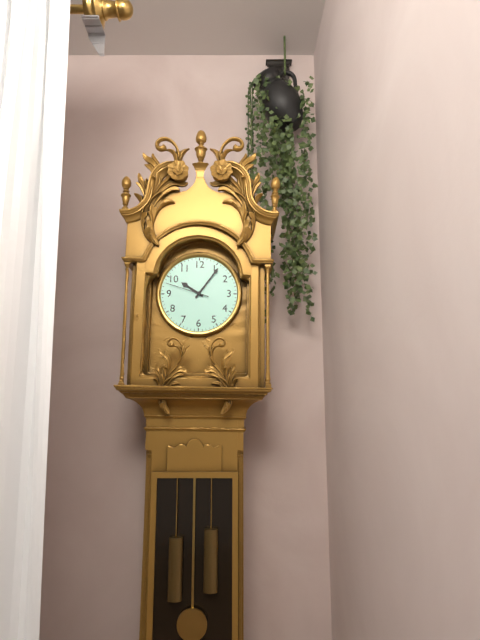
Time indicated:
10 h 06 min
